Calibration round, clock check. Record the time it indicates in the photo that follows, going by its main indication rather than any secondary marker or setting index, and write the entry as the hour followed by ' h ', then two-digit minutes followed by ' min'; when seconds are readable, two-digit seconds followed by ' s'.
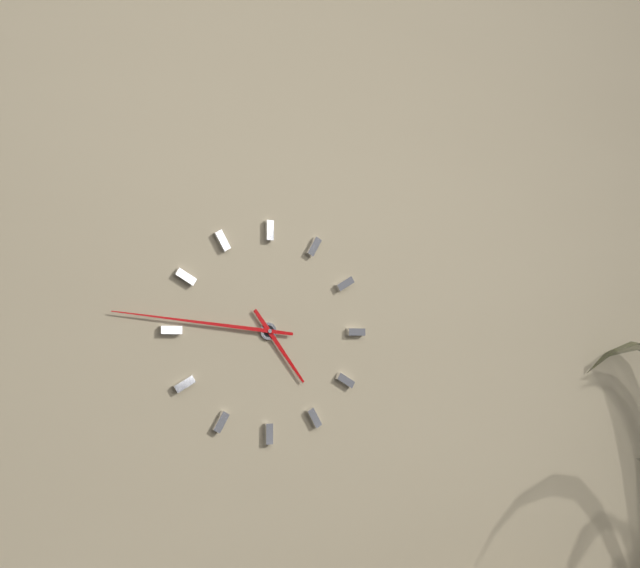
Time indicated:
4 h 46 min
